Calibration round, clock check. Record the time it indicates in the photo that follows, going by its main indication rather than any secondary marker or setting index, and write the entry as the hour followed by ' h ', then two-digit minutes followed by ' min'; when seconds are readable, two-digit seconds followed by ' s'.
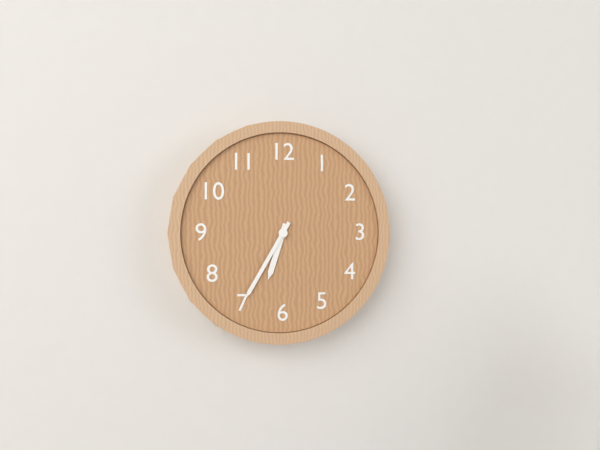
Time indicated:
6 h 35 min
